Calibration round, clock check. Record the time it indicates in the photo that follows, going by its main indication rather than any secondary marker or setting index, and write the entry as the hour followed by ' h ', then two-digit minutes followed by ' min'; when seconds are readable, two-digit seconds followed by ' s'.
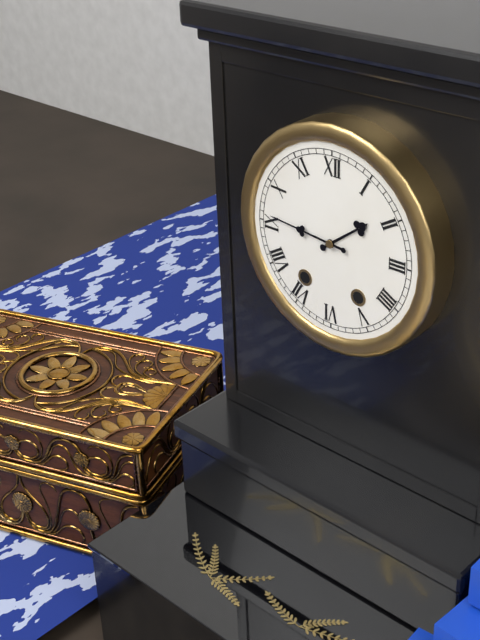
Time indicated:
1 h 46 min
